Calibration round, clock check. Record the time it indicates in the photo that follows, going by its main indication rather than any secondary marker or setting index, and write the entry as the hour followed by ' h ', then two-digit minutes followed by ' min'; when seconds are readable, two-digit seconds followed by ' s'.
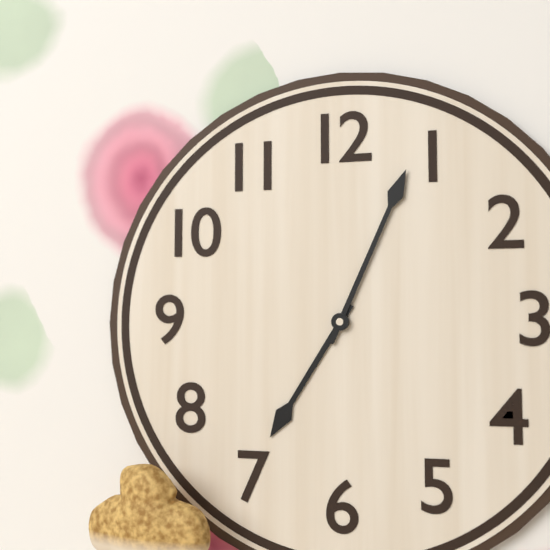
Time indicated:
7 h 04 min
